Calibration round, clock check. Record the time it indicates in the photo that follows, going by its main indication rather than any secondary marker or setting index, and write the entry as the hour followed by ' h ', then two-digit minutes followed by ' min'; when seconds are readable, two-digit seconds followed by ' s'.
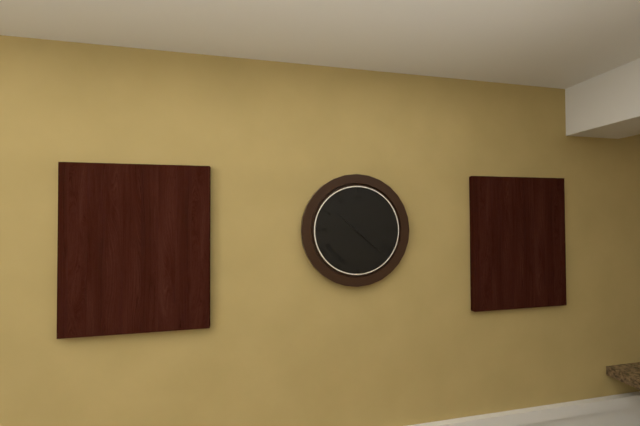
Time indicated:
10 h 22 min
